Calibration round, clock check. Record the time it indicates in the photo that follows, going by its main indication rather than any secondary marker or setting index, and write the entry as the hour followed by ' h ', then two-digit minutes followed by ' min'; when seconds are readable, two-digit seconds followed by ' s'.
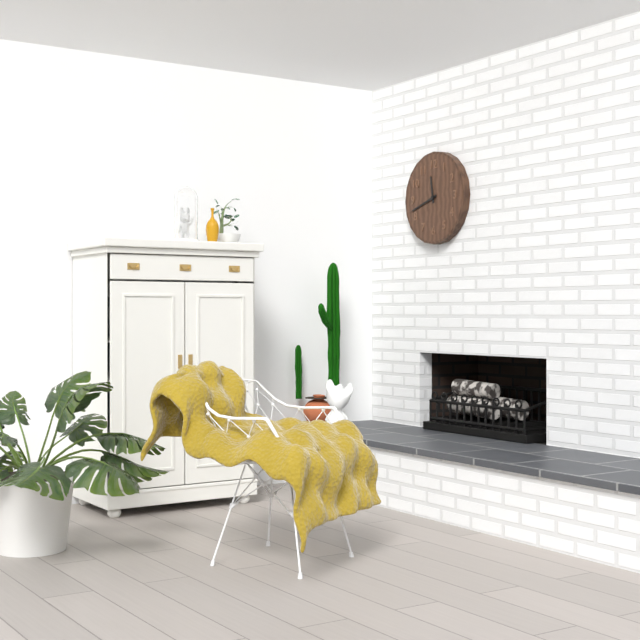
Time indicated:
11 h 42 min
